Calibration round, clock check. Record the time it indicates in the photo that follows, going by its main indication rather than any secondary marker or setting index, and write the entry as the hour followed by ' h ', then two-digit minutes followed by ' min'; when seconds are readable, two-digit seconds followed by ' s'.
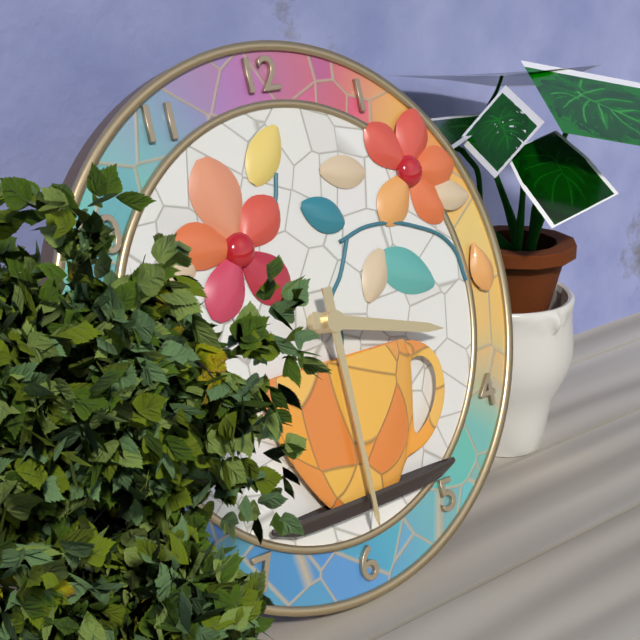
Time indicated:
3 h 30 min
